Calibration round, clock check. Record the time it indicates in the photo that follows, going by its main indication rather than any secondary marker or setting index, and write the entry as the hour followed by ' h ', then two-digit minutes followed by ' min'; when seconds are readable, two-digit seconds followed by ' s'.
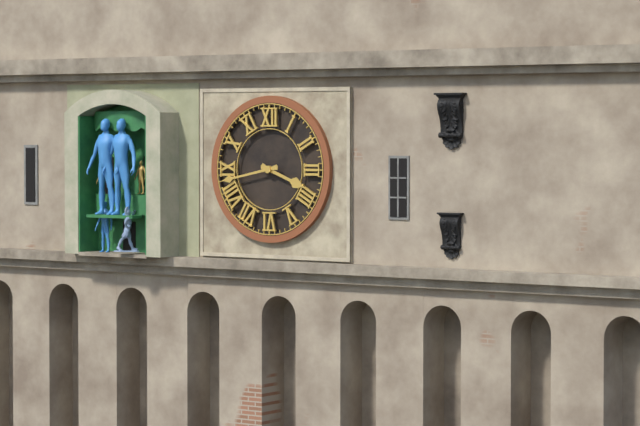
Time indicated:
3 h 43 min
